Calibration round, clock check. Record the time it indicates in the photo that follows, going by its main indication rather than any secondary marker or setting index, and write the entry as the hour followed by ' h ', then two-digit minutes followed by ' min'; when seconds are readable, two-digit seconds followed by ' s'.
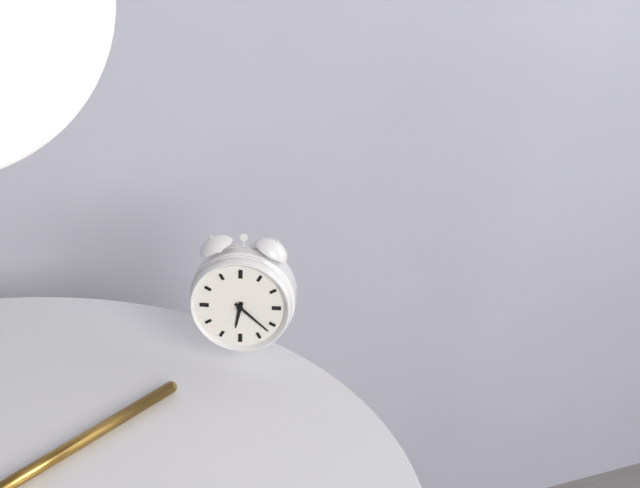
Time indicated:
6 h 22 min
